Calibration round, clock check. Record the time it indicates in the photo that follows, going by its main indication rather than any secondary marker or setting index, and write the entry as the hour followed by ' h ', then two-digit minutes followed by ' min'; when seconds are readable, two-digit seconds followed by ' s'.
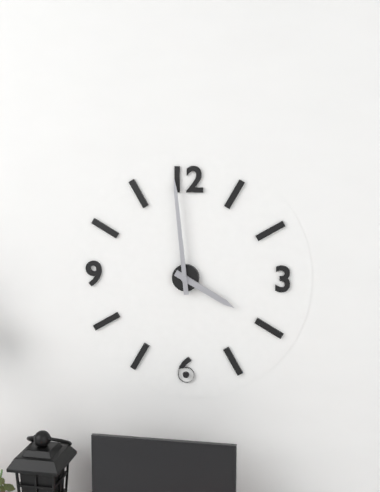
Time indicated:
3 h 59 min
